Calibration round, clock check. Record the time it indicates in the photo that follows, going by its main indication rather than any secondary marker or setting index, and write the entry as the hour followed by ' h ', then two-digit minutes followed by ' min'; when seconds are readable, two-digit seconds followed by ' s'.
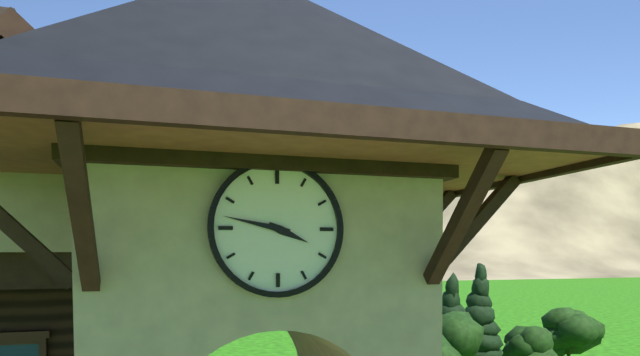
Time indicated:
3 h 47 min
